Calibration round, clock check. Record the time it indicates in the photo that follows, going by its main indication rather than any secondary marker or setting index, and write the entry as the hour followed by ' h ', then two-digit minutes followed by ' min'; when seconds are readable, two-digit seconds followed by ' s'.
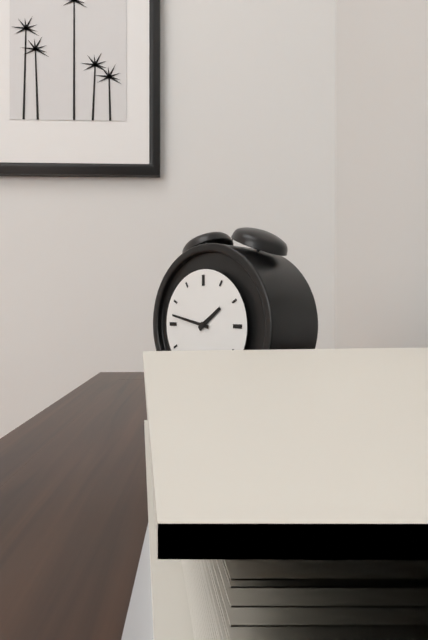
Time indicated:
1 h 47 min
